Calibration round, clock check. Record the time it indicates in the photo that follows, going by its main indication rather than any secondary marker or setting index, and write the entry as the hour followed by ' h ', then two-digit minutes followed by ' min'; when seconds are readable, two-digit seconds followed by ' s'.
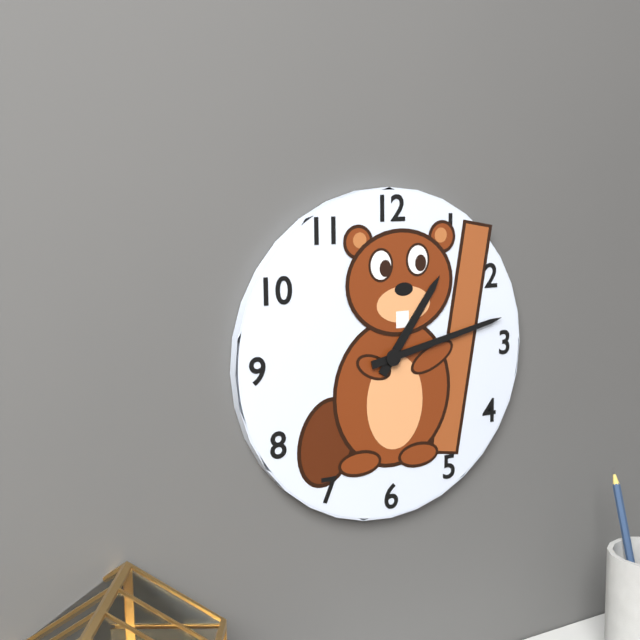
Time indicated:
1 h 13 min
